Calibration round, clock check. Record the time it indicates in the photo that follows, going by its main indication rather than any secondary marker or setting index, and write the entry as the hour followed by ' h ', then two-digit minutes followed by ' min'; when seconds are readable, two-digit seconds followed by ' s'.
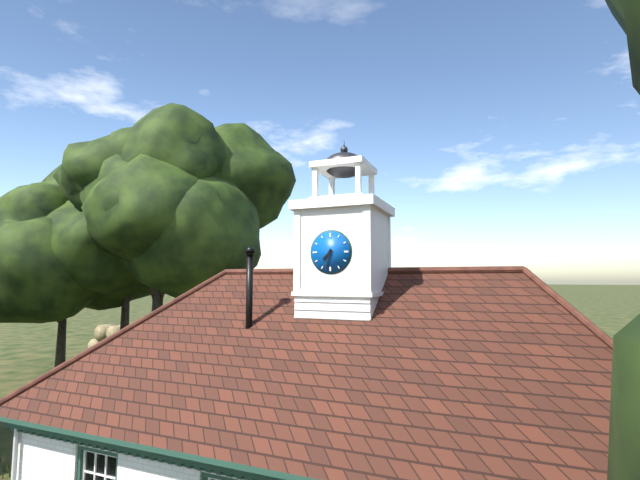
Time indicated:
7 h 32 min
